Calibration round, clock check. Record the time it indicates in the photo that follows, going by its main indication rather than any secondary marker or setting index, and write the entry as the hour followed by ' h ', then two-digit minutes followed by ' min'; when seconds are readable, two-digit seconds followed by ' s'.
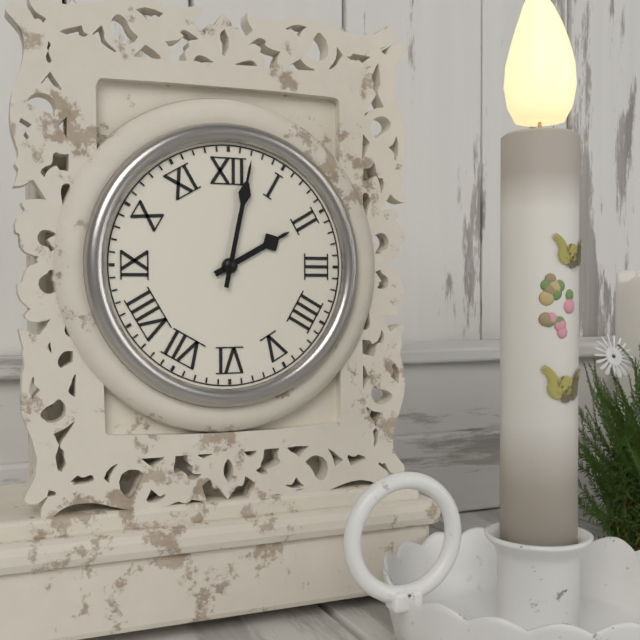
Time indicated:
2 h 02 min
